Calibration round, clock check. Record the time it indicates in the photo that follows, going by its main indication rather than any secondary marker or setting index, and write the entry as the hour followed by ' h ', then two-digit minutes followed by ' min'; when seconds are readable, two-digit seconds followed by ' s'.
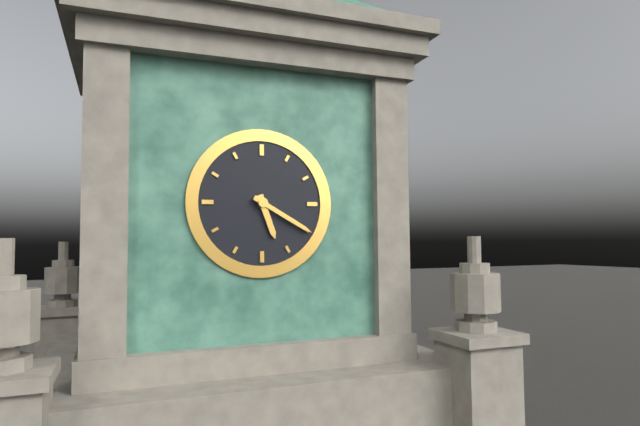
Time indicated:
5 h 20 min
